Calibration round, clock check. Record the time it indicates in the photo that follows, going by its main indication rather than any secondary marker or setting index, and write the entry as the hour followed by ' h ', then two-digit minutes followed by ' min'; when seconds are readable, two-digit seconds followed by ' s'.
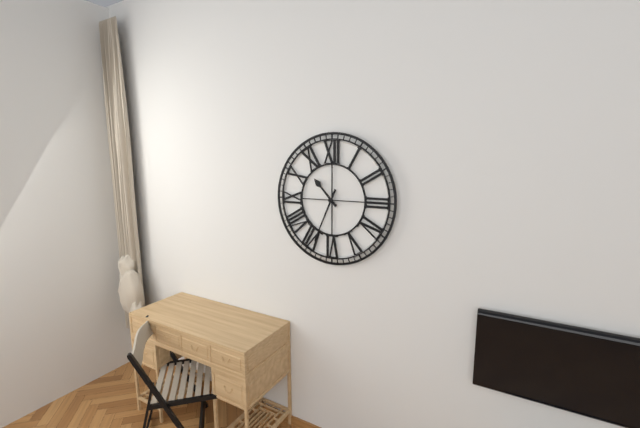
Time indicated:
10 h 34 min
